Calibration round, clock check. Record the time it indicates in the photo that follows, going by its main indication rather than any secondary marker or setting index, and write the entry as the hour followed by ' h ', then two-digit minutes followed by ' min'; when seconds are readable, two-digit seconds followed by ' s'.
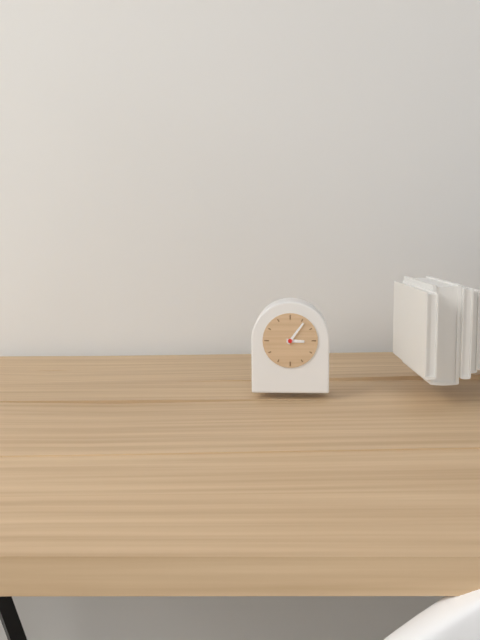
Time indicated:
3 h 06 min
